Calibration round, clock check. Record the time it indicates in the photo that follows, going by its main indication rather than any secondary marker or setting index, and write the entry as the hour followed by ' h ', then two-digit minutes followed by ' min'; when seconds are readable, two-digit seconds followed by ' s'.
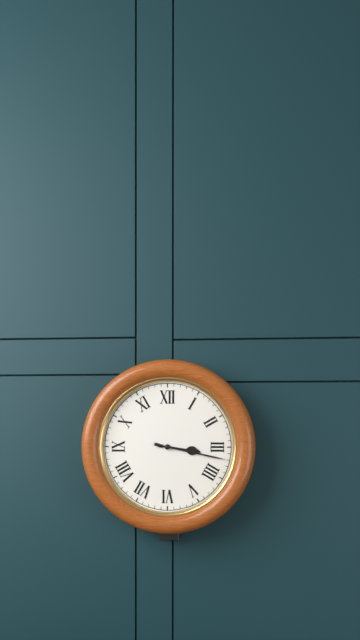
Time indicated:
3 h 17 min
